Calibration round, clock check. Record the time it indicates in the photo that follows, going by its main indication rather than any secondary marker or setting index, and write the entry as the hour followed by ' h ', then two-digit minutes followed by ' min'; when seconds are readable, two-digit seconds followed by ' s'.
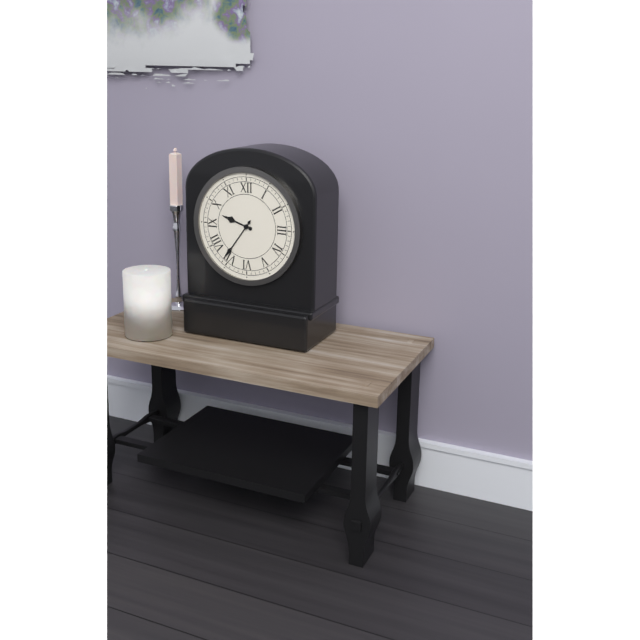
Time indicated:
9 h 36 min
